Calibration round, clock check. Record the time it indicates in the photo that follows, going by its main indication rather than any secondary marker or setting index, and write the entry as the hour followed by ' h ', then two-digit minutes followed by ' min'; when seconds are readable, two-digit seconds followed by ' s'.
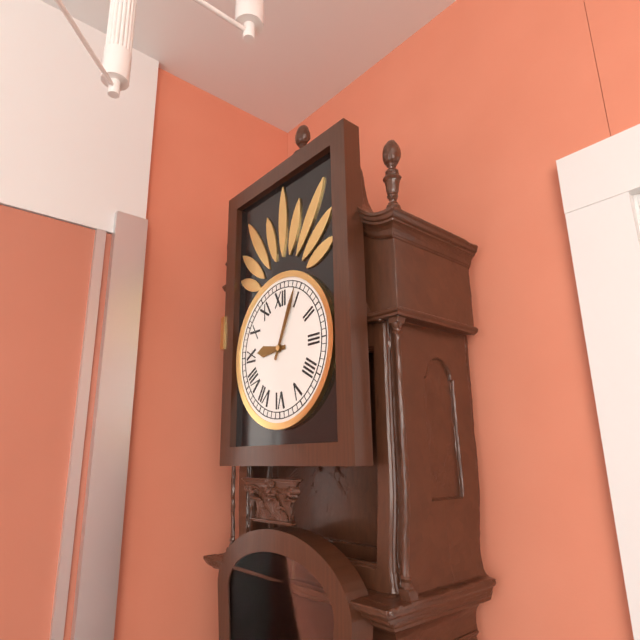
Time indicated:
9 h 04 min
